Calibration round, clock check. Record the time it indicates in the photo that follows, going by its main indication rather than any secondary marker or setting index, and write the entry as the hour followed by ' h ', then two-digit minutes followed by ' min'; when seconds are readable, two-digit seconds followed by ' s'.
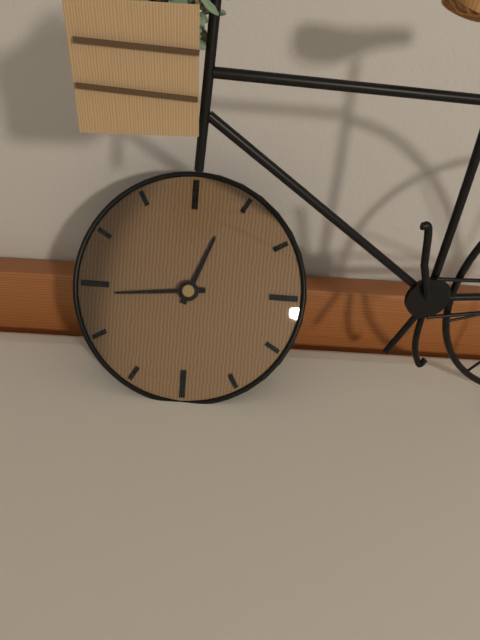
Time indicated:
12 h 44 min
